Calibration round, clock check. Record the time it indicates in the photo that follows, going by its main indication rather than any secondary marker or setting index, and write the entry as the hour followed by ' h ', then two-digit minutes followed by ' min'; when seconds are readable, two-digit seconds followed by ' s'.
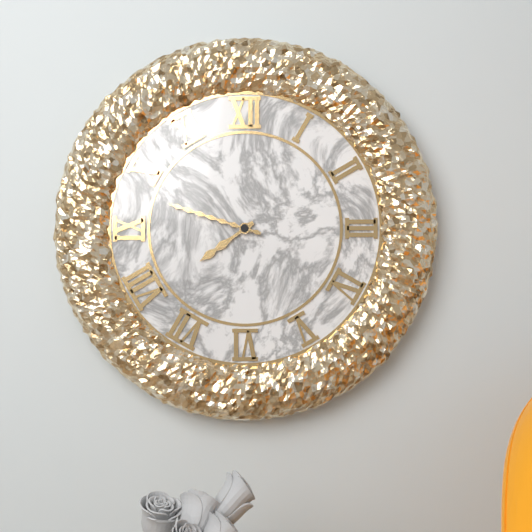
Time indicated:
7 h 48 min
